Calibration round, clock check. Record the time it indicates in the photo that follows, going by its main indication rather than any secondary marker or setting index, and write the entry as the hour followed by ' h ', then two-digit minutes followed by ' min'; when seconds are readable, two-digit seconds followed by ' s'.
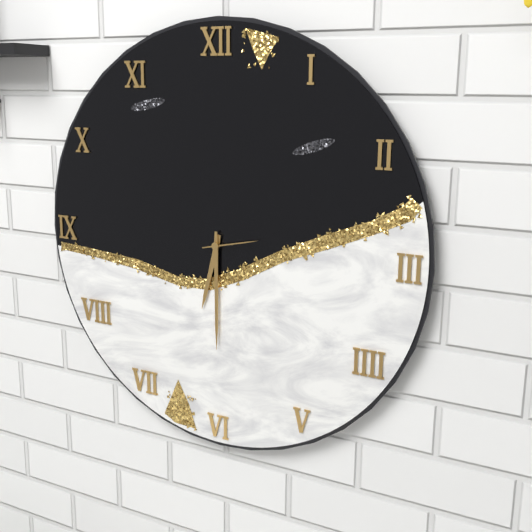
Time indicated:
6 h 30 min
